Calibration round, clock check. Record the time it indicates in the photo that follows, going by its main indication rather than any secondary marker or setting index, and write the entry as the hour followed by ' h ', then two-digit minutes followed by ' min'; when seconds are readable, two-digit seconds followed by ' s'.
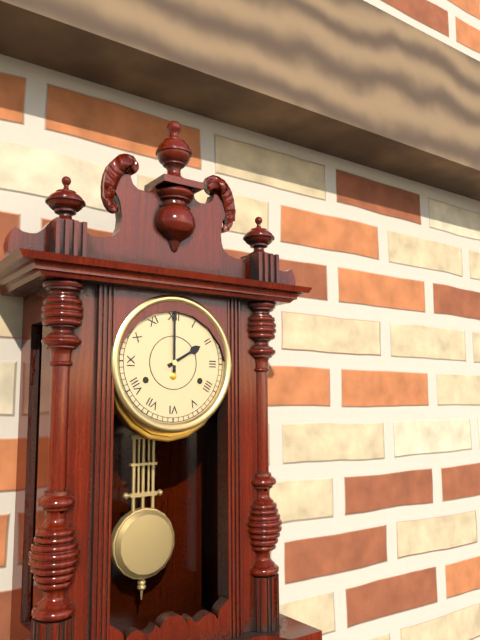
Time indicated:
2 h 00 min
